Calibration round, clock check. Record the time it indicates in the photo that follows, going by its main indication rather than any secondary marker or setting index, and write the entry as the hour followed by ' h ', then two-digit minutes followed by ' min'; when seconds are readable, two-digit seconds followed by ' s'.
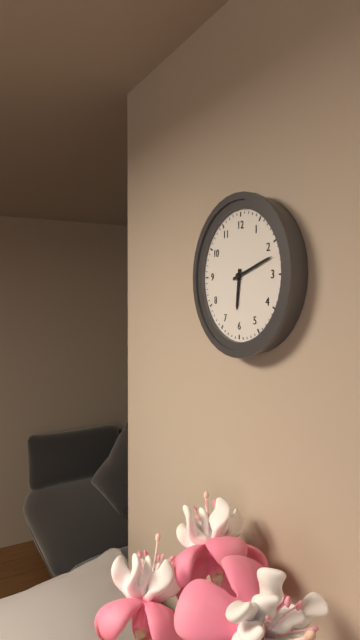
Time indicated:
6 h 12 min
